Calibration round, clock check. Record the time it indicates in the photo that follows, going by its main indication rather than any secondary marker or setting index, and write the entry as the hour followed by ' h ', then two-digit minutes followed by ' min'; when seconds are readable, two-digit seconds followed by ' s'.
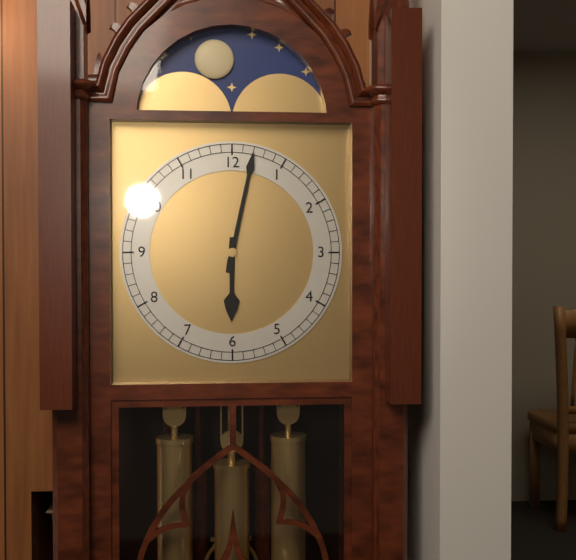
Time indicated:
6 h 02 min
